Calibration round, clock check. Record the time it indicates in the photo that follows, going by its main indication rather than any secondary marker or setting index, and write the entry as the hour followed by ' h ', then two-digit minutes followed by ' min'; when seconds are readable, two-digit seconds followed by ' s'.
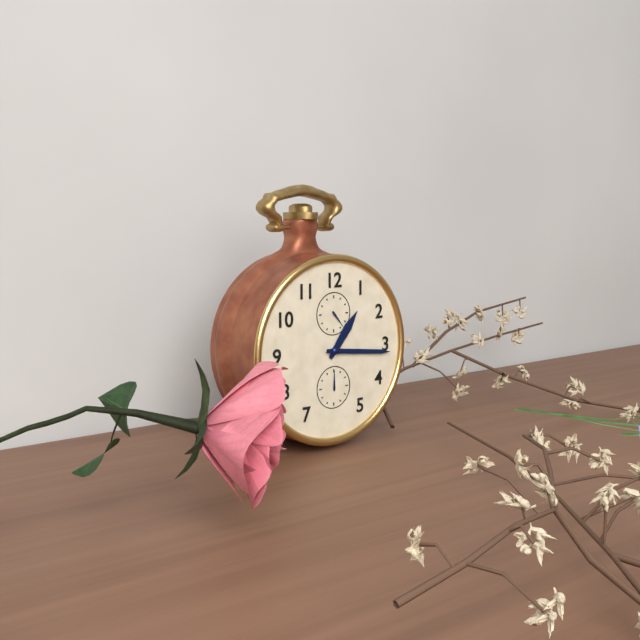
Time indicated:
1 h 16 min
